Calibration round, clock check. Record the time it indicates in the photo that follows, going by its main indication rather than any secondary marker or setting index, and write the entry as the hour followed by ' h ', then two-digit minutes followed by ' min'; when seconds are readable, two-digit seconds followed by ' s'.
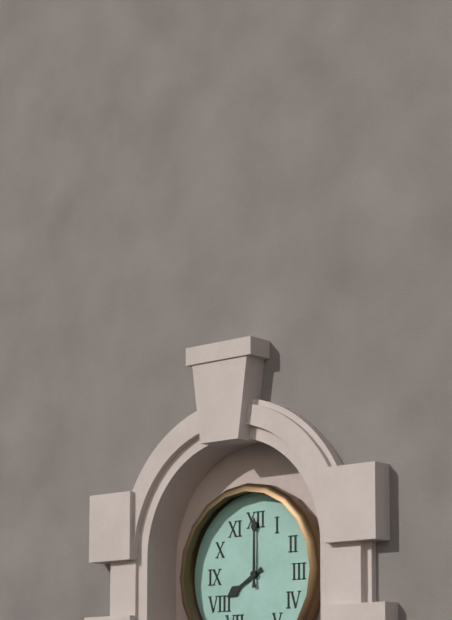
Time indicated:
8 h 00 min
